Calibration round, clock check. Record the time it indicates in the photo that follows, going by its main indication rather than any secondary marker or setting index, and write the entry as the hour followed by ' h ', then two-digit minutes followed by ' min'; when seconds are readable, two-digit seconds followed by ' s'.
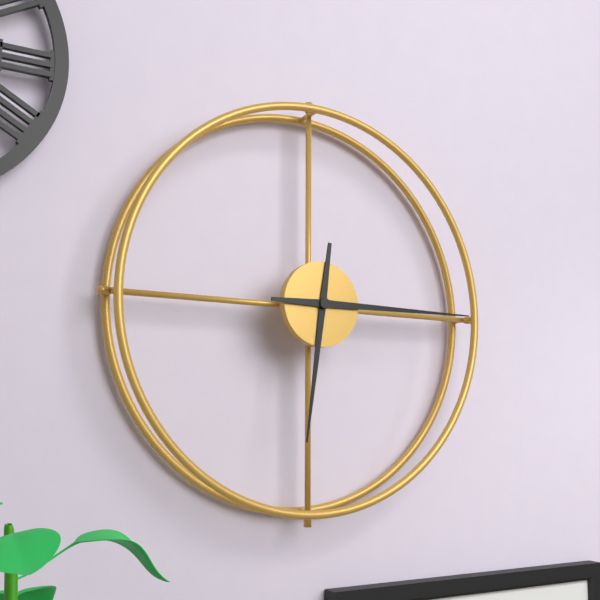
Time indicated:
6 h 15 min
